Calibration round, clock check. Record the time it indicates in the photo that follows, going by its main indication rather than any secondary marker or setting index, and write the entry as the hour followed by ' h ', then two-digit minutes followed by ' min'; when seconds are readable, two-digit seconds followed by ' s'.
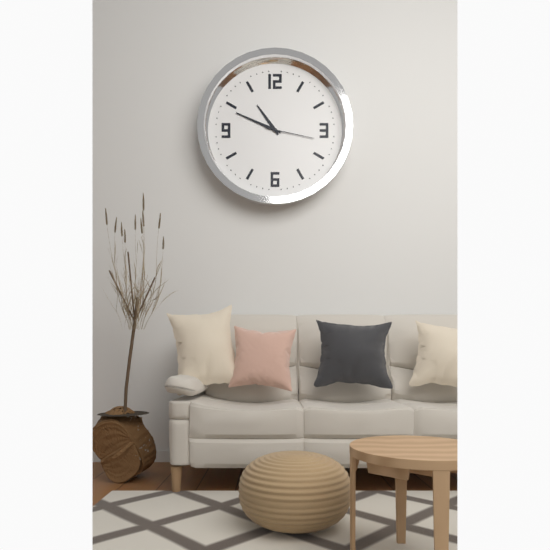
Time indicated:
10 h 49 min
